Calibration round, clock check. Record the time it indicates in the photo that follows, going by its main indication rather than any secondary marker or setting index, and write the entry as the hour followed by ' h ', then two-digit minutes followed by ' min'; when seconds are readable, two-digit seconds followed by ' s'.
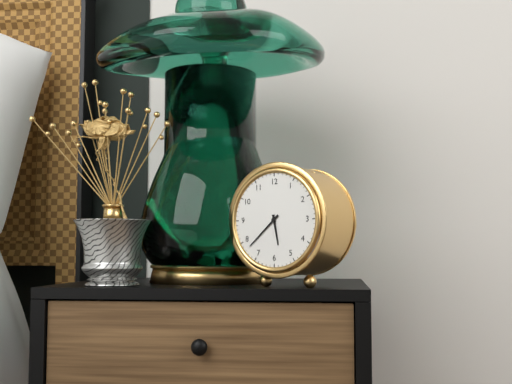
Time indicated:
5 h 38 min
